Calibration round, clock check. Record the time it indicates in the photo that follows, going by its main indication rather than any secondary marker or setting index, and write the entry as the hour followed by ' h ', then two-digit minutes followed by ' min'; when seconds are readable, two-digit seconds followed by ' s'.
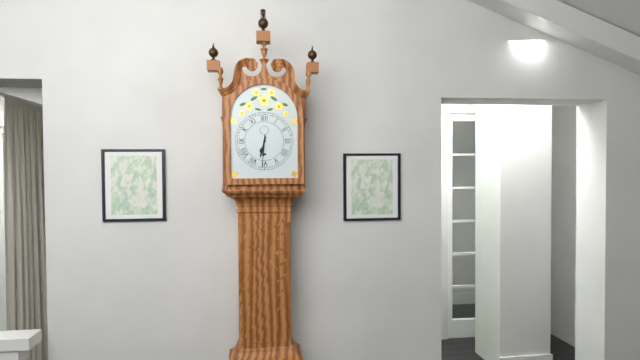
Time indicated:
6 h 31 min
